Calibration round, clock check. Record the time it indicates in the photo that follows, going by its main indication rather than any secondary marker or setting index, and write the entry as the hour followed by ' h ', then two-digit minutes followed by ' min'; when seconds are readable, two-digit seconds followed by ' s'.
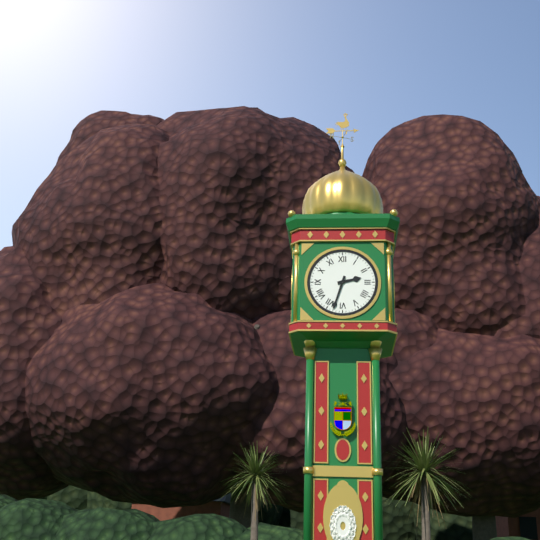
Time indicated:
2 h 33 min
